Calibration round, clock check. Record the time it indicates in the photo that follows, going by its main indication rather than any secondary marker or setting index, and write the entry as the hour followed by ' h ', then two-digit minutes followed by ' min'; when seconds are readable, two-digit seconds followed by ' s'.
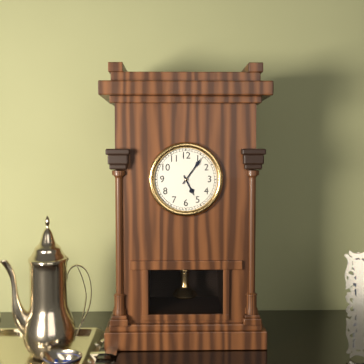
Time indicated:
5 h 06 min
